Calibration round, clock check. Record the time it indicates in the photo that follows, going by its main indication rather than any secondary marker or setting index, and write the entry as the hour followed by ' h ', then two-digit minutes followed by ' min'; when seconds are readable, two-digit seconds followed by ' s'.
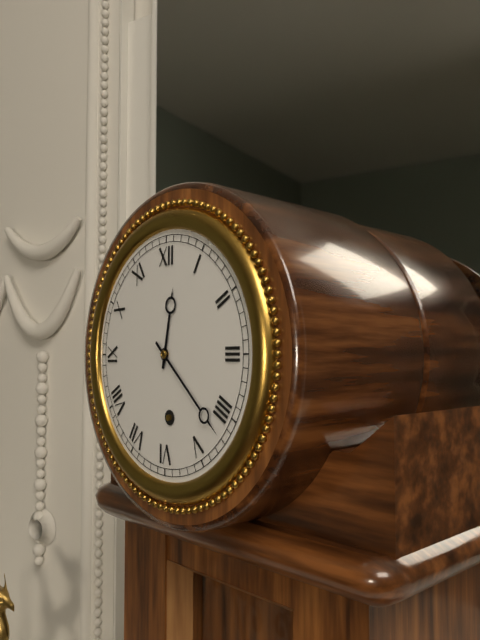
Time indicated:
12 h 22 min
